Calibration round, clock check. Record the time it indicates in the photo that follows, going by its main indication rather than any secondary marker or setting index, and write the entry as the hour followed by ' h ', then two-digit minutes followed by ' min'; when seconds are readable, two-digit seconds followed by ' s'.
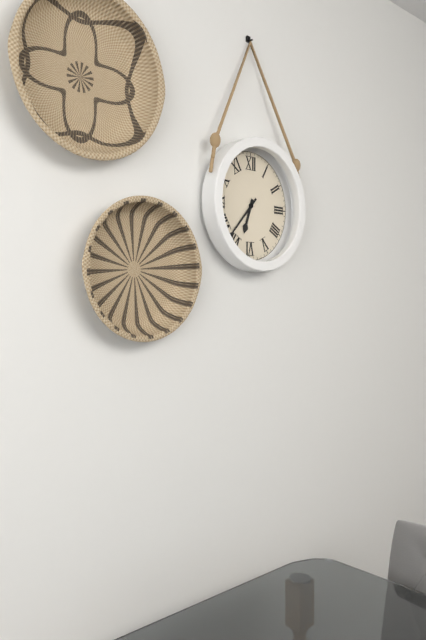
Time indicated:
6 h 37 min
